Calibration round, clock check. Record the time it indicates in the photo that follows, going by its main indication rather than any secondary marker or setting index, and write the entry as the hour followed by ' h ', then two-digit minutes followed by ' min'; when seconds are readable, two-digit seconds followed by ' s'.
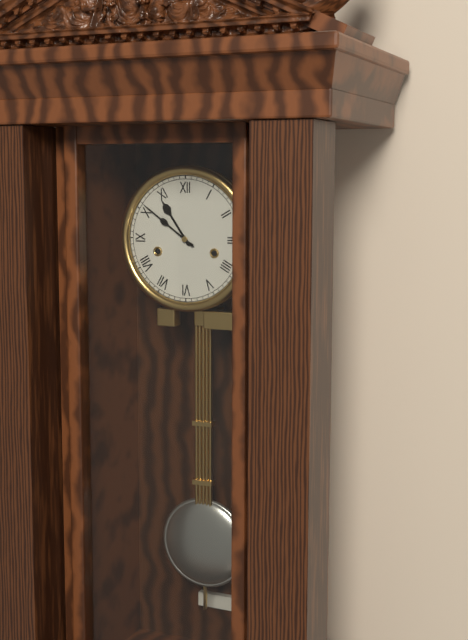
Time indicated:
10 h 51 min
